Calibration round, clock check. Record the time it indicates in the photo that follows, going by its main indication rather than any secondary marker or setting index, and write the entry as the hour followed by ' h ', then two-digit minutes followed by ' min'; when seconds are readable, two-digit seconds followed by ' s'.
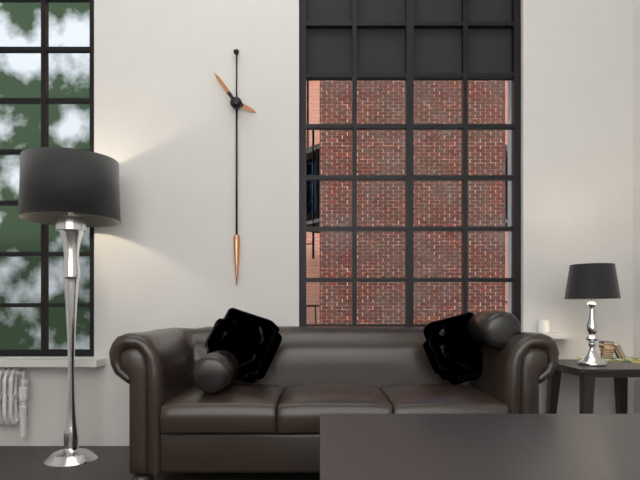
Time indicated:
3 h 54 min
